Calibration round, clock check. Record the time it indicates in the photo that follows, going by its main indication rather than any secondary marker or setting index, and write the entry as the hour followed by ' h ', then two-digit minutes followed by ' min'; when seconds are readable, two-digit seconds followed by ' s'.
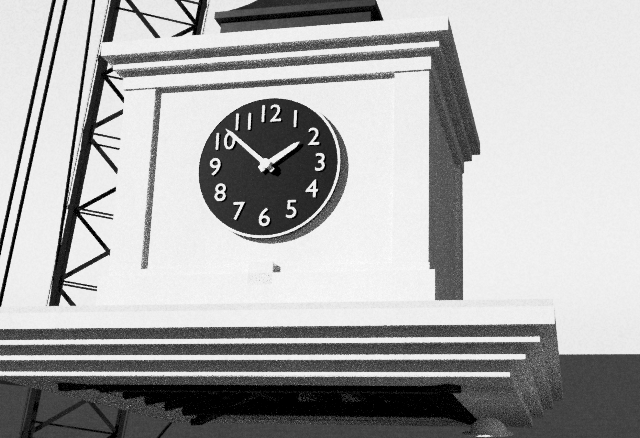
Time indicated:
1 h 52 min
